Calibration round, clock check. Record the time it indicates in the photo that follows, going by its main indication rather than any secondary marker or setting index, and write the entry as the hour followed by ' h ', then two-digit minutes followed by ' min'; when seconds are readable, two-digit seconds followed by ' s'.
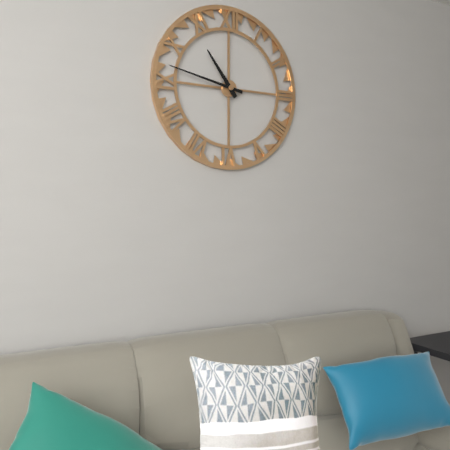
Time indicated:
10 h 47 min
